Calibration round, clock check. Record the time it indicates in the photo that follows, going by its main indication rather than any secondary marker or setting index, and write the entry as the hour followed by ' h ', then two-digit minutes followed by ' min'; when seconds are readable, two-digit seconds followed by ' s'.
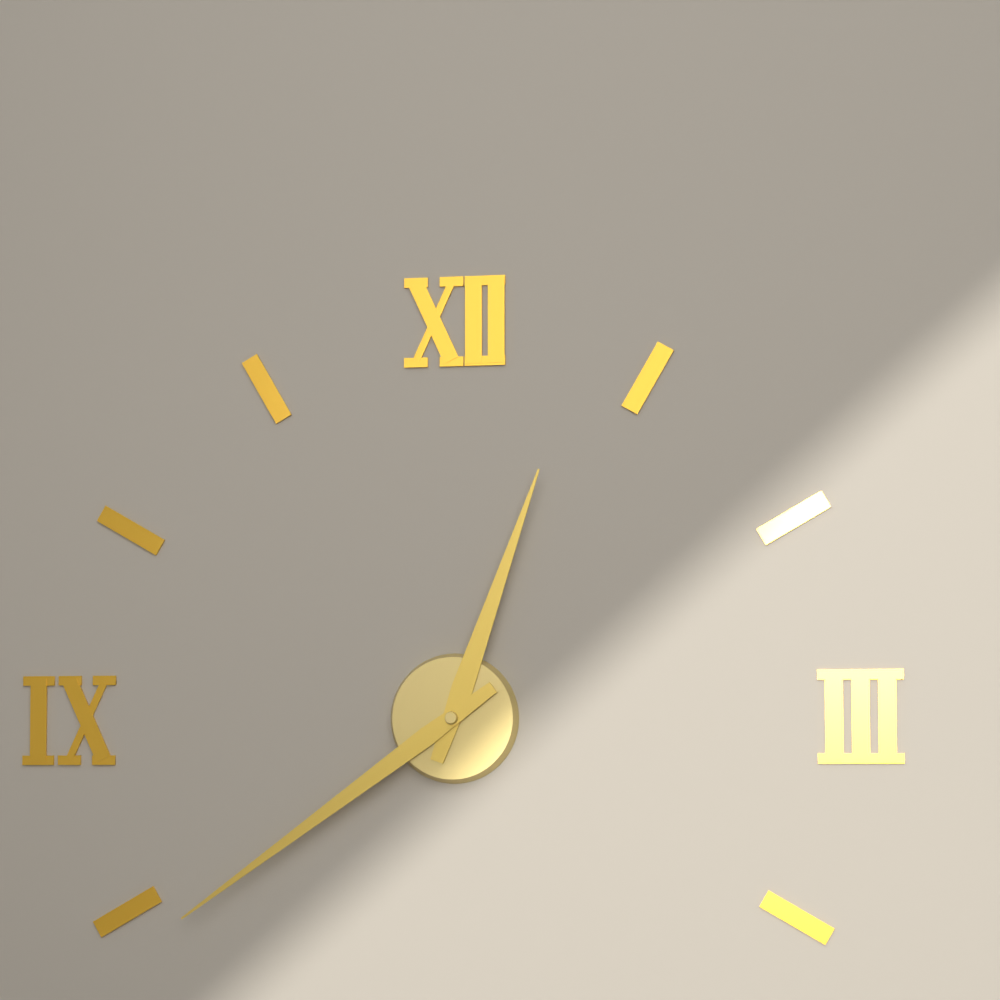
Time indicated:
12 h 39 min
